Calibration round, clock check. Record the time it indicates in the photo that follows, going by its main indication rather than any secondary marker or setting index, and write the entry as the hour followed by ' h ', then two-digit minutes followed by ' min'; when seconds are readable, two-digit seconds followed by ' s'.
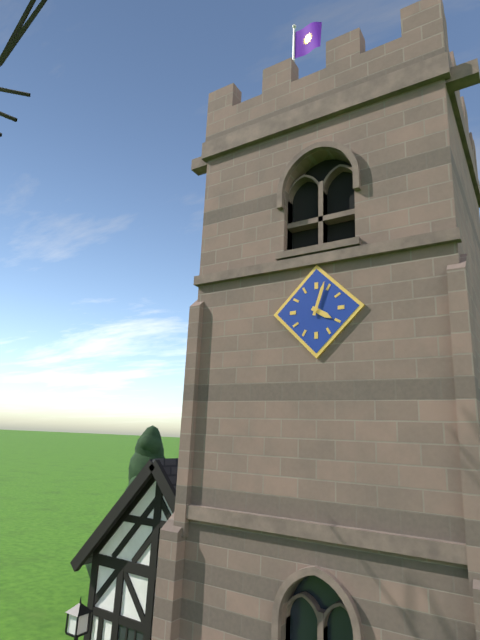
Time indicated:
4 h 03 min
